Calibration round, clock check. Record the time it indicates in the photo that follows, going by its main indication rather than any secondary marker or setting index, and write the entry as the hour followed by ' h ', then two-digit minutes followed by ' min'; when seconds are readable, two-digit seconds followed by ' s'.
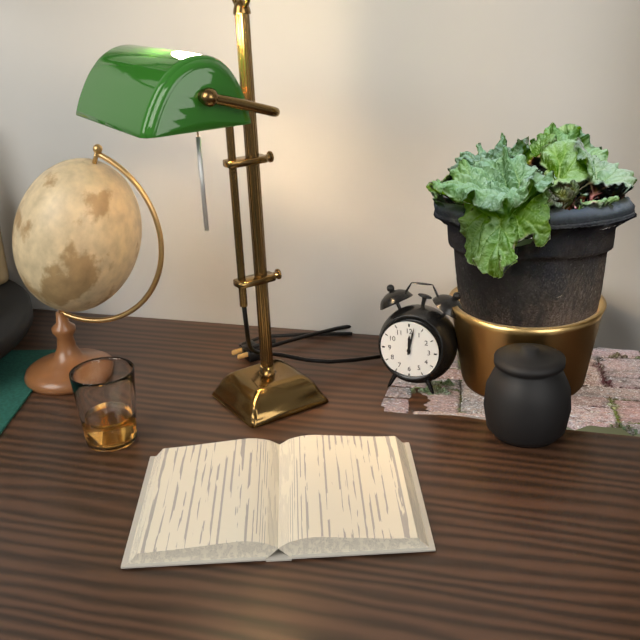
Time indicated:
12 h 02 min
